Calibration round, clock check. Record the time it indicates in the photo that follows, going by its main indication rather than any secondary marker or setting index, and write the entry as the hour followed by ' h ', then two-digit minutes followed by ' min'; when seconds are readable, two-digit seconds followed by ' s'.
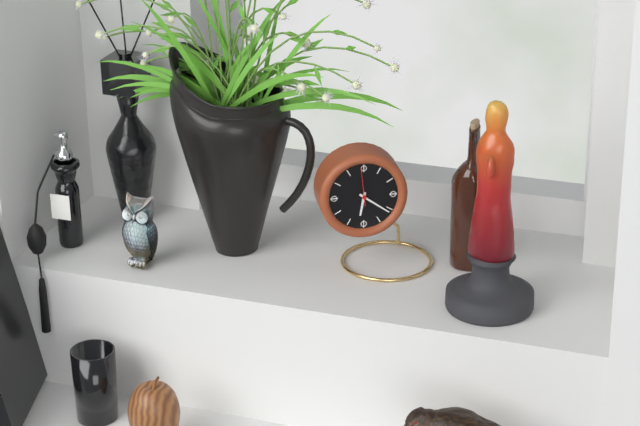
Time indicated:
6 h 21 min
